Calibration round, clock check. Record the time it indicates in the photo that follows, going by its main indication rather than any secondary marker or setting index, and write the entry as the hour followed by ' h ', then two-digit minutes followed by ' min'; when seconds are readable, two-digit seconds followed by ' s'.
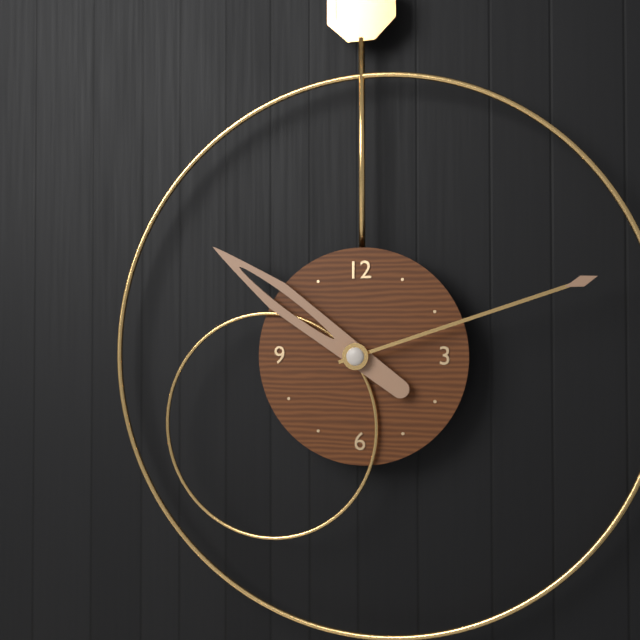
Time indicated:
10 h 12 min
